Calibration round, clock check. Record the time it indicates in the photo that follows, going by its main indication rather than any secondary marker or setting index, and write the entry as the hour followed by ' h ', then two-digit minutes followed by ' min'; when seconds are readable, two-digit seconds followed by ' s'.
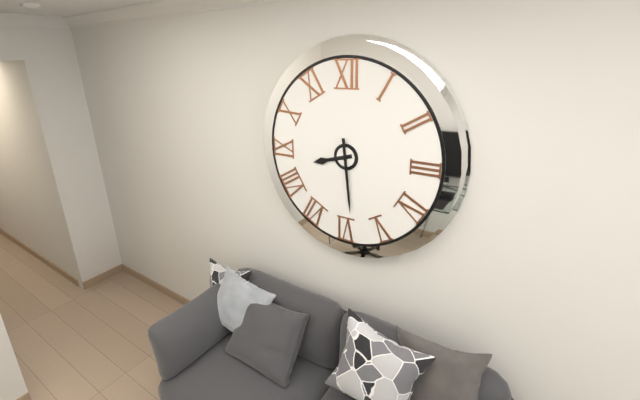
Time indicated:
8 h 29 min
